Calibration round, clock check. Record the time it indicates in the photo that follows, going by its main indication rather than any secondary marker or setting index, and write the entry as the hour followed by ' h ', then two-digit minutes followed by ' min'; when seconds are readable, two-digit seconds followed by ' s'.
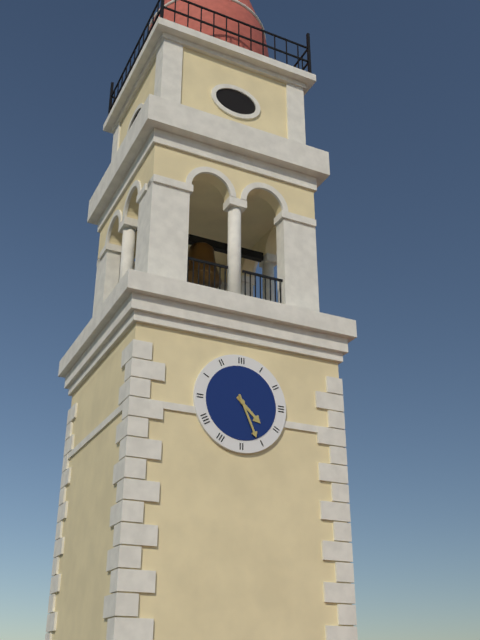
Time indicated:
4 h 26 min
